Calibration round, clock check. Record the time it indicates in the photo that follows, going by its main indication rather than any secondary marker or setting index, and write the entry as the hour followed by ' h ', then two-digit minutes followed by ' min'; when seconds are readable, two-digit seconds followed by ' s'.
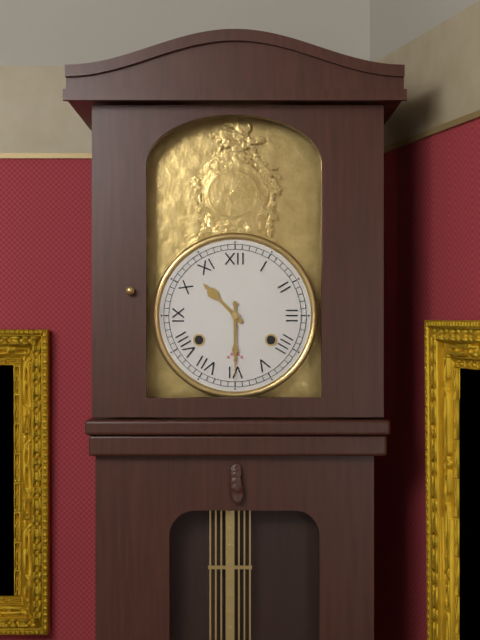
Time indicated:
10 h 30 min
